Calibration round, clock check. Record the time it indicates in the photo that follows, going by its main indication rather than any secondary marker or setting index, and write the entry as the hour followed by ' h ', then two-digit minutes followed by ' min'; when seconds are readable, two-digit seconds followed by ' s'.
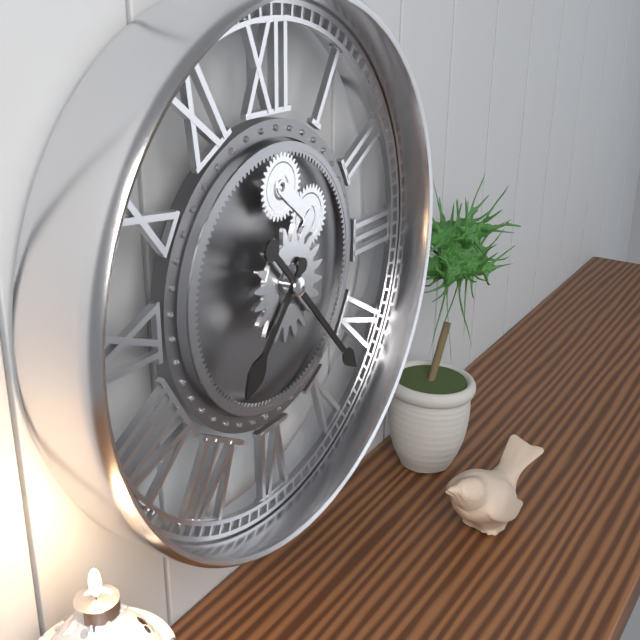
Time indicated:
7 h 23 min
